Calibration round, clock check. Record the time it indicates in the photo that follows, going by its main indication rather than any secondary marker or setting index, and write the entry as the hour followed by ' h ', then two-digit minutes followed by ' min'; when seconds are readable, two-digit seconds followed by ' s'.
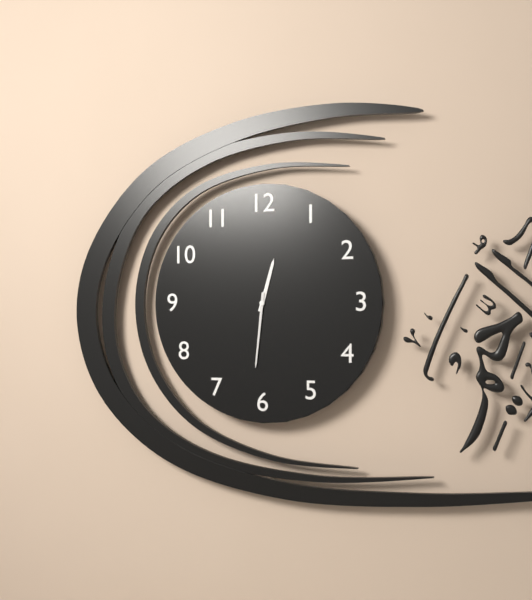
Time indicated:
12 h 31 min
